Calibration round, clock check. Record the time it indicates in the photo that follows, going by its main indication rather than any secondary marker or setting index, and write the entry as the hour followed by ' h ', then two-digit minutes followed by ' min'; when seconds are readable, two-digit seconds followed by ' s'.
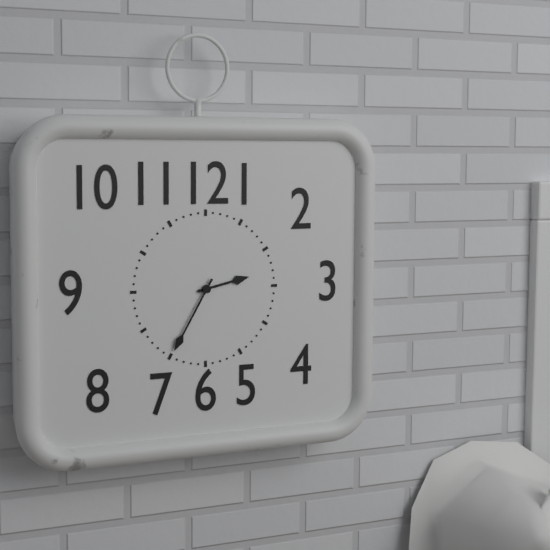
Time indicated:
2 h 35 min
